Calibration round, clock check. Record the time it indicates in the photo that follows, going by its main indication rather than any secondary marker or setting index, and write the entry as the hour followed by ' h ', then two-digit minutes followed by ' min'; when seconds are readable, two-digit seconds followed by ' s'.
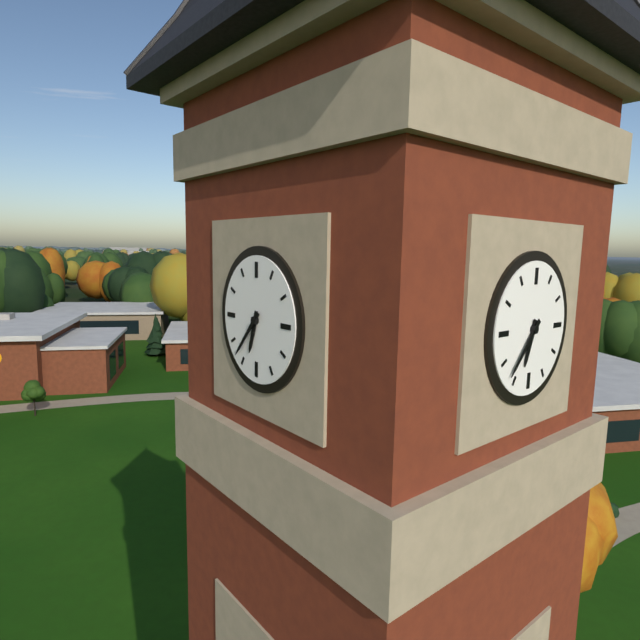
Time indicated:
6 h 37 min
